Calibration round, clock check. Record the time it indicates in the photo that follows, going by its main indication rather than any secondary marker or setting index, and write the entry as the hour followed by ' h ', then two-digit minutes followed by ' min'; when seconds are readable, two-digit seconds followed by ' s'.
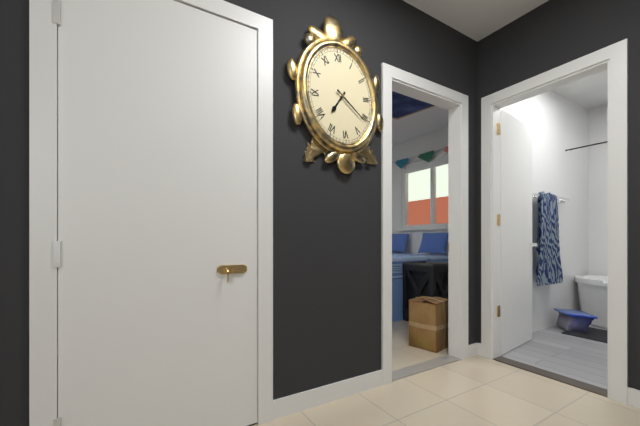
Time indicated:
7 h 22 min
